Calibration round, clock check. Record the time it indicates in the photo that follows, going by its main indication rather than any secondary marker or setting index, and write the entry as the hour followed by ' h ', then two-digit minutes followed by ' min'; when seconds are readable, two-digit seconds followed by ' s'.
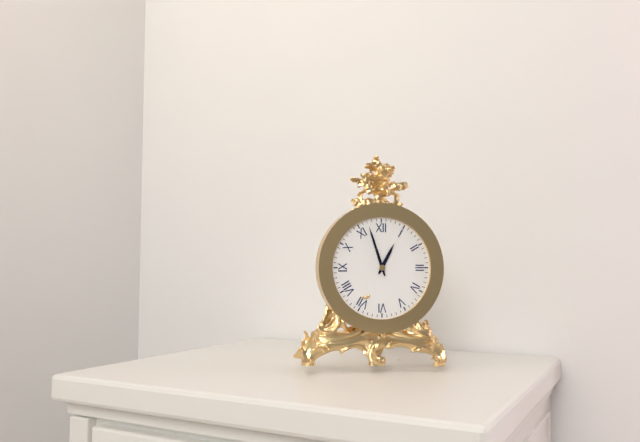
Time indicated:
12 h 57 min
